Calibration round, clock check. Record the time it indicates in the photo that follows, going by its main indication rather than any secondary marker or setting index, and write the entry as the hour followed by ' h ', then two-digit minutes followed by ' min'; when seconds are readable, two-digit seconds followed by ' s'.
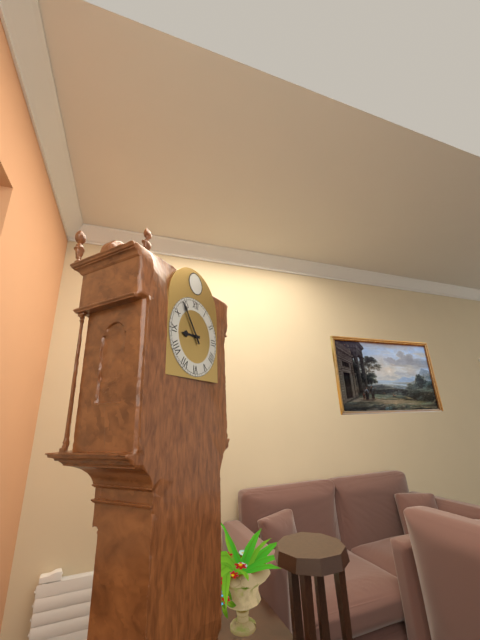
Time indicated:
8 h 54 min
